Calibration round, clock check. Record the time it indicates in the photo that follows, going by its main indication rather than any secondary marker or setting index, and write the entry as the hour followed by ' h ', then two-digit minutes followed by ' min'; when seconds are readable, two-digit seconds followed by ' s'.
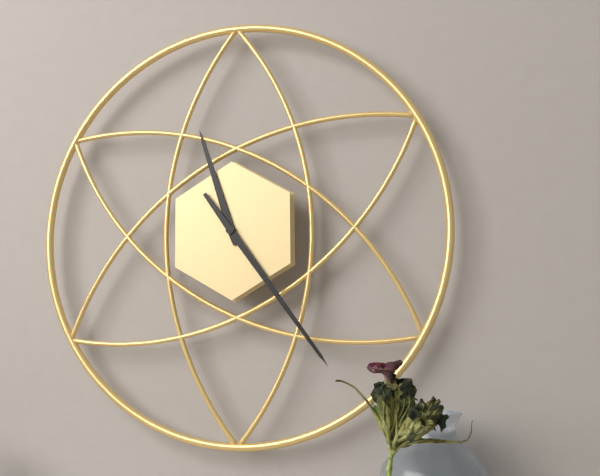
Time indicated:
11 h 24 min
